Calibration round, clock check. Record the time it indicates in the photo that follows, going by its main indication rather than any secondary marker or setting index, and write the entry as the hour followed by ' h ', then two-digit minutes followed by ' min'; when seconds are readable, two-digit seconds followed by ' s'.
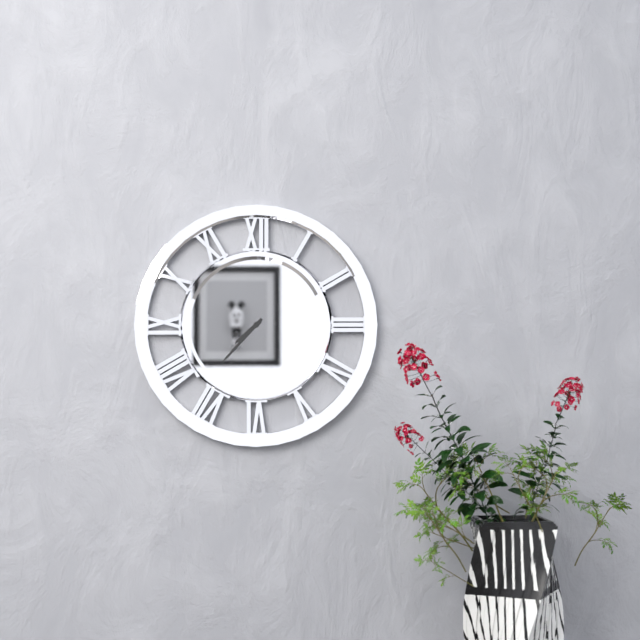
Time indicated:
7 h 37 min
